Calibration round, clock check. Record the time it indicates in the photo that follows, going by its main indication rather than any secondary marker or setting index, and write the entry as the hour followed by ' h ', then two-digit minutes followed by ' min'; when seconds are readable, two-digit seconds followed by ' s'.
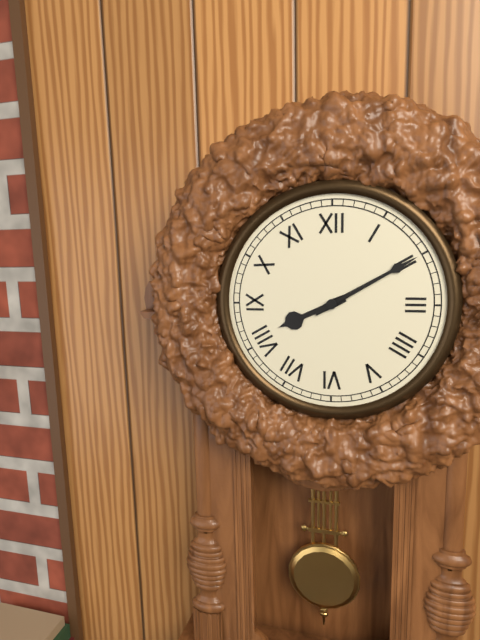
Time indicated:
8 h 10 min
